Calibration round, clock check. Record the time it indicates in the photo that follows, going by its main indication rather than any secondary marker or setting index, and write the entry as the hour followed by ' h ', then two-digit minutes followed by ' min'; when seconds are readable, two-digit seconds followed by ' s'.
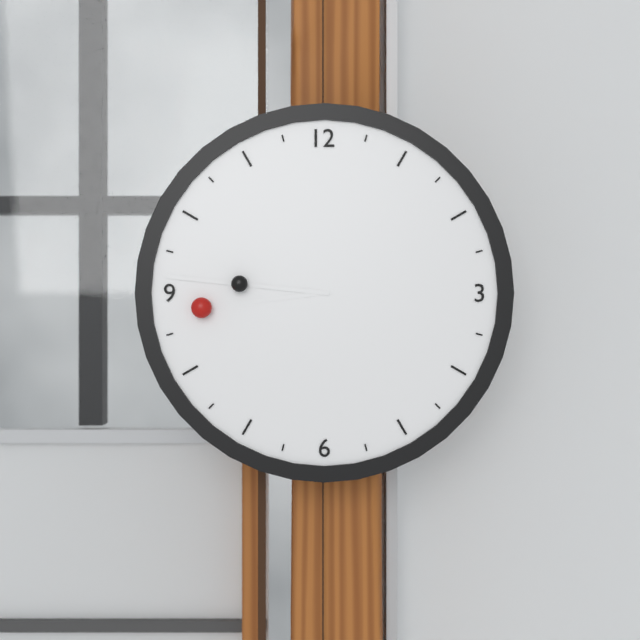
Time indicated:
8 h 46 min
